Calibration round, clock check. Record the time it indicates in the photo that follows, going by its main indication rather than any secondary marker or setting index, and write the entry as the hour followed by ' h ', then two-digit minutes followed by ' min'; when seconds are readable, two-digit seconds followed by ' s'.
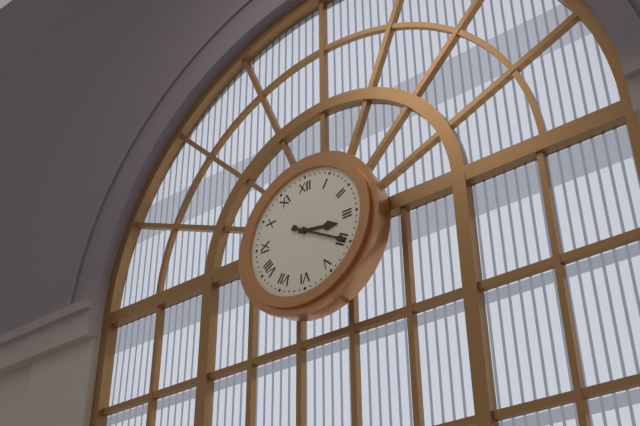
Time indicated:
3 h 20 min
